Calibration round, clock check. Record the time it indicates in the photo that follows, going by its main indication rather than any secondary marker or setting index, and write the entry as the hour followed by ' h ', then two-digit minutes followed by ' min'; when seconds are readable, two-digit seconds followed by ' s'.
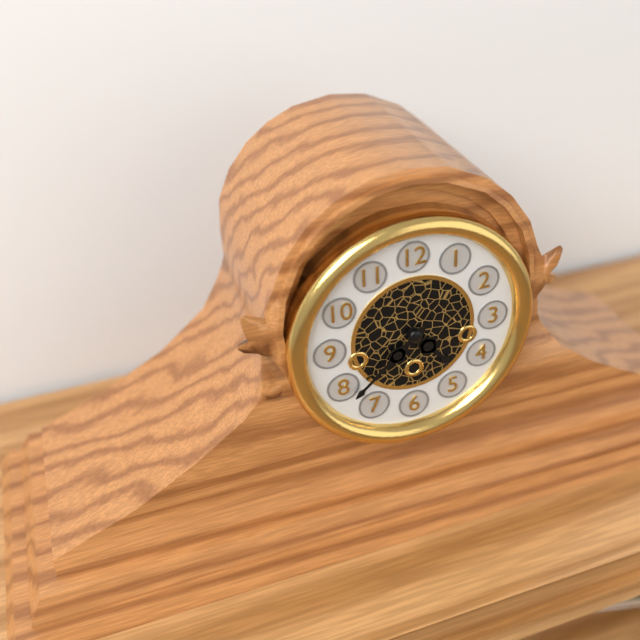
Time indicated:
4 h 38 min
